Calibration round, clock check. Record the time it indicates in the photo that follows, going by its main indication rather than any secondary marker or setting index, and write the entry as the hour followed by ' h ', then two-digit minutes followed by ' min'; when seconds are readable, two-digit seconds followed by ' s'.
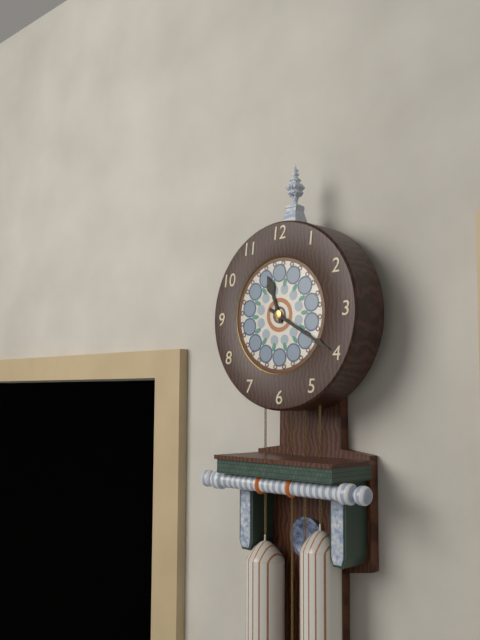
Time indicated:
11 h 20 min
